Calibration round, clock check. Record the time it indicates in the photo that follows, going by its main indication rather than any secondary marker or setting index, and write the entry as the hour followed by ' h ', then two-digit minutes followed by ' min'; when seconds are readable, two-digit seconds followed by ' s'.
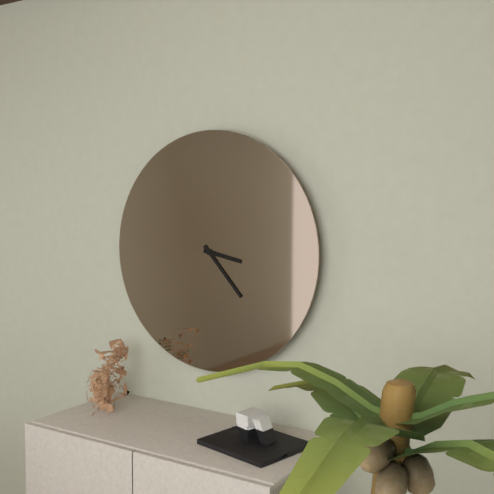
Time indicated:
3 h 23 min
